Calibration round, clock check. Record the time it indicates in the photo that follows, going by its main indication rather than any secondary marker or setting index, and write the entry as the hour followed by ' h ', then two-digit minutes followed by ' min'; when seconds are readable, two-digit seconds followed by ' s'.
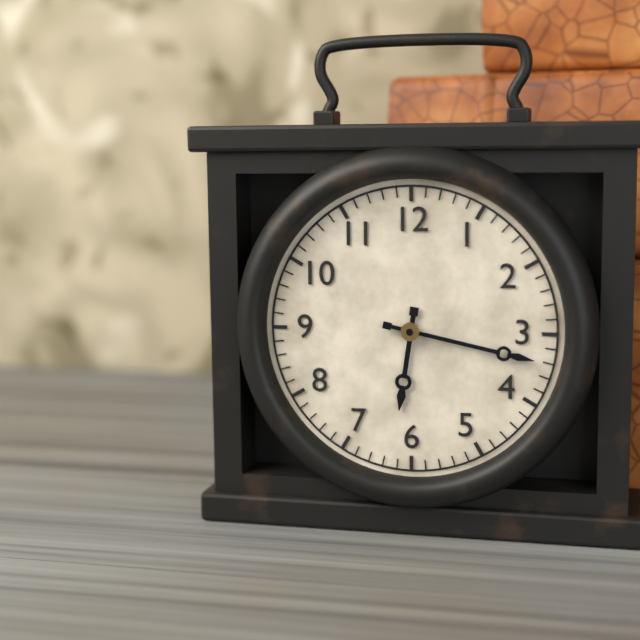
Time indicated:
6 h 17 min
